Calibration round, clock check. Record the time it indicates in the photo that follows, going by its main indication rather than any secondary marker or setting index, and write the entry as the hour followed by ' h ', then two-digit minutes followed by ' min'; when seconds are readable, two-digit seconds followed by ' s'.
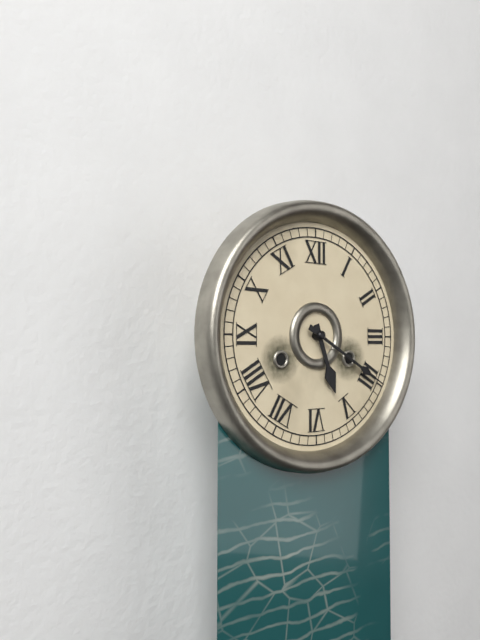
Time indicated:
5 h 20 min
